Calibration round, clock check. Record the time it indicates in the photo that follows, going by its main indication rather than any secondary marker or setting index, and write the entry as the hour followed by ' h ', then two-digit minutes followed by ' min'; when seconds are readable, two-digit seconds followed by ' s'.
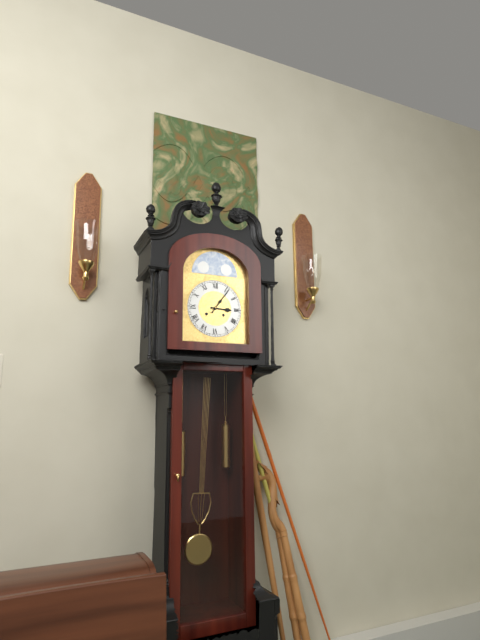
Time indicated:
3 h 06 min
